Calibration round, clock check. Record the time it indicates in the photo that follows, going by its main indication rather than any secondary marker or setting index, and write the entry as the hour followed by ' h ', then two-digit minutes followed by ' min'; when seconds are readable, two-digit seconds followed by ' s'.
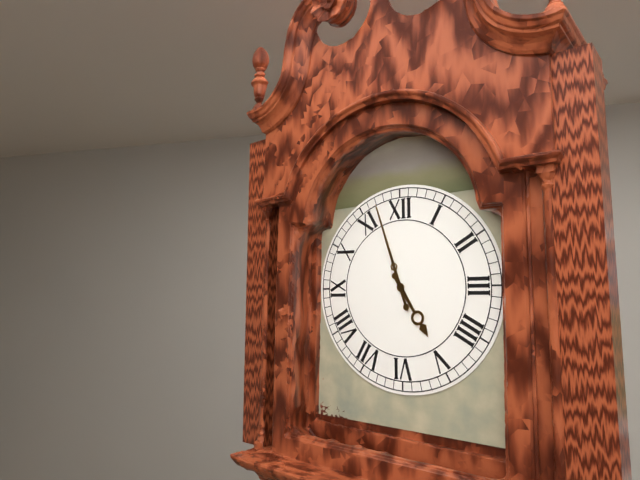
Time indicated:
4 h 57 min
